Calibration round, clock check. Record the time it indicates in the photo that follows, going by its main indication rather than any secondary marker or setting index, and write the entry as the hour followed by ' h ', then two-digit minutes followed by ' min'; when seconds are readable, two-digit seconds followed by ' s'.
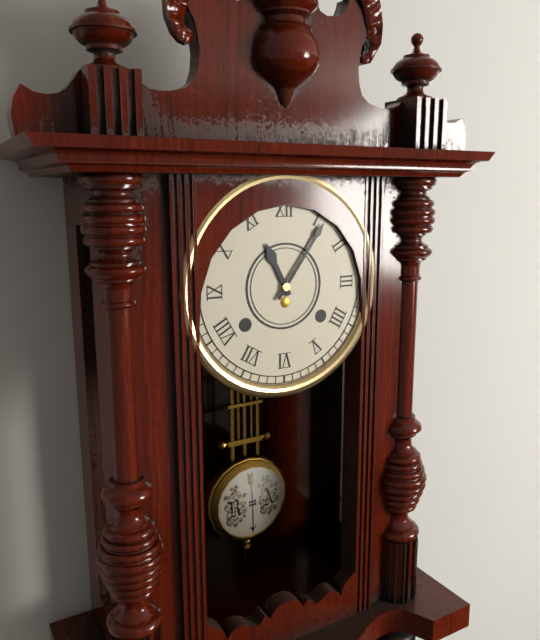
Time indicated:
11 h 06 min
